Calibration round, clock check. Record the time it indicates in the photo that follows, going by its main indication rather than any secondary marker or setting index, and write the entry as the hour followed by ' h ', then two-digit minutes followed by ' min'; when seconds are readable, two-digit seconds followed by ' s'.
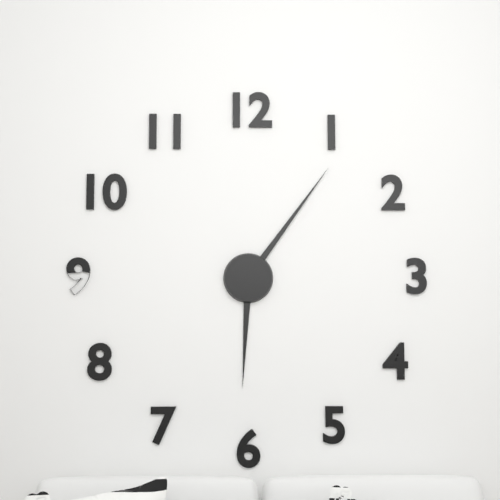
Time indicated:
6 h 06 min
